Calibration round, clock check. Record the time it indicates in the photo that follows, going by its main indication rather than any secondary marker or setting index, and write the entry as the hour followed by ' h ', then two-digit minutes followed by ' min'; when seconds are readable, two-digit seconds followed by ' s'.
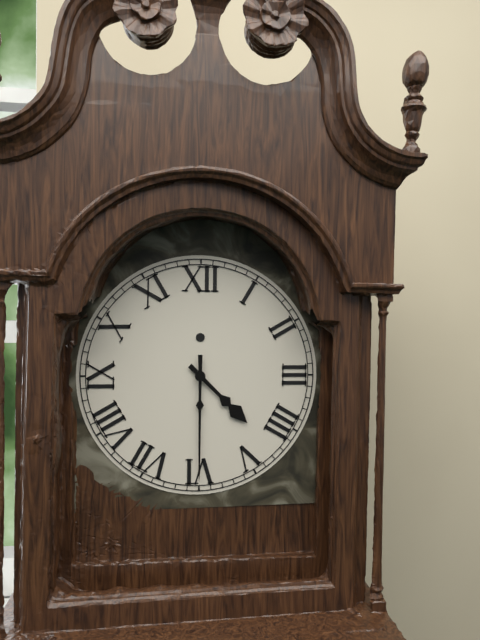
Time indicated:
4 h 30 min
